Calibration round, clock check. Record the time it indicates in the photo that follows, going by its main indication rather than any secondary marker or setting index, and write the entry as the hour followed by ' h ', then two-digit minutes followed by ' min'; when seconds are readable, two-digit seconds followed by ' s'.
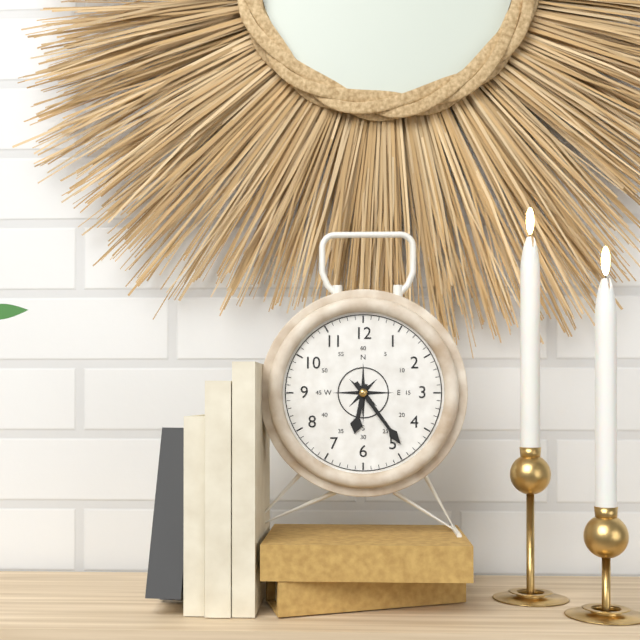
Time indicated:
6 h 24 min
